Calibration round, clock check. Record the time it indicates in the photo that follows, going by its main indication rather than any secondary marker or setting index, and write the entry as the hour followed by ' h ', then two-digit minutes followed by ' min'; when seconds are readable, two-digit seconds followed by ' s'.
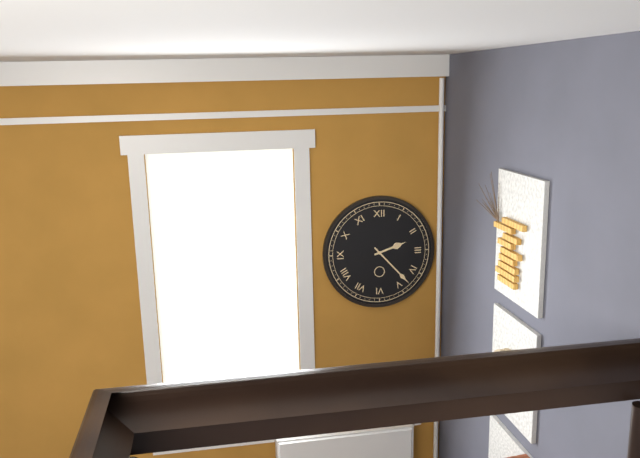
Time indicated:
2 h 23 min
